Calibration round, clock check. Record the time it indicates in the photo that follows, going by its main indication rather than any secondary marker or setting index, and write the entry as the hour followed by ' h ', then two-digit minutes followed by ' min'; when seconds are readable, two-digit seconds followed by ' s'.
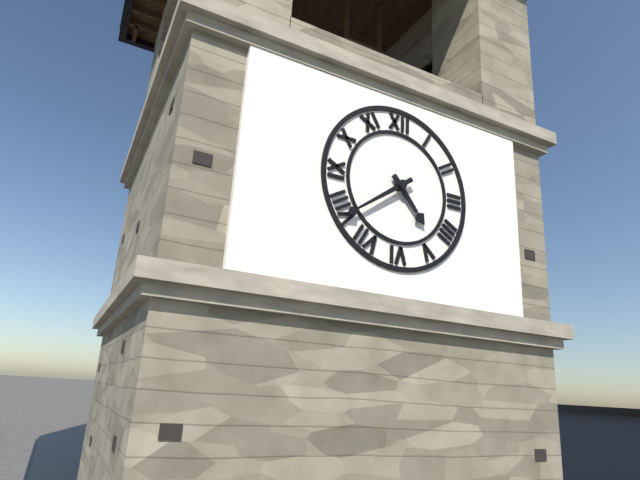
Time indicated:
4 h 39 min
